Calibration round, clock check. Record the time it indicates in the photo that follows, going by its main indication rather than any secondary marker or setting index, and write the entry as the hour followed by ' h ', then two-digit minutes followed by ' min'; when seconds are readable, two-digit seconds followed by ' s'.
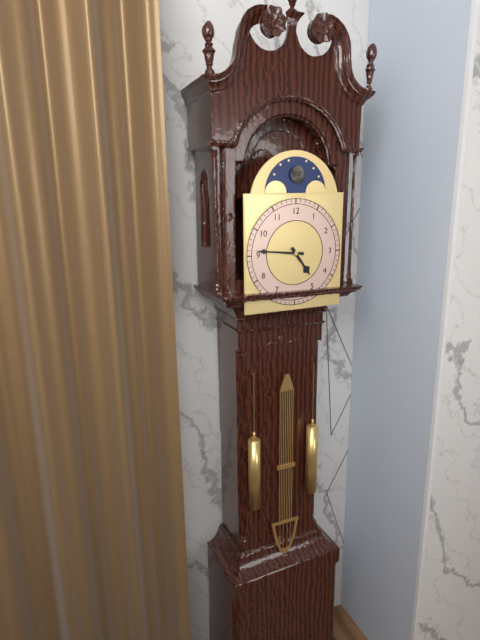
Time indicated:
4 h 46 min
